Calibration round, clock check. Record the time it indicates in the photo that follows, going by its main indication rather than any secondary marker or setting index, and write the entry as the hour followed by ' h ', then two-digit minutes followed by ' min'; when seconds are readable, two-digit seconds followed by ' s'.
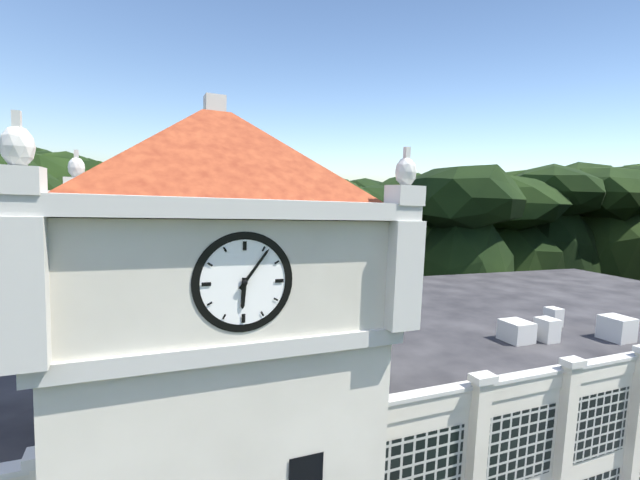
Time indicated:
6 h 06 min
